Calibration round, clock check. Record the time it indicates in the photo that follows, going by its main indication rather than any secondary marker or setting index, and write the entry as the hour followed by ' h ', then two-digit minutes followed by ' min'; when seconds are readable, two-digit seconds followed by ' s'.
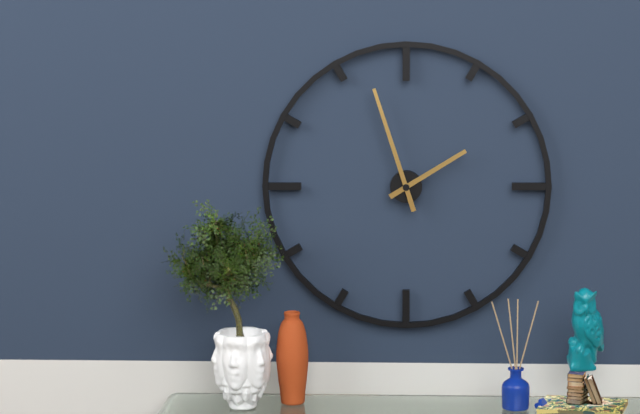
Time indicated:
1 h 57 min
